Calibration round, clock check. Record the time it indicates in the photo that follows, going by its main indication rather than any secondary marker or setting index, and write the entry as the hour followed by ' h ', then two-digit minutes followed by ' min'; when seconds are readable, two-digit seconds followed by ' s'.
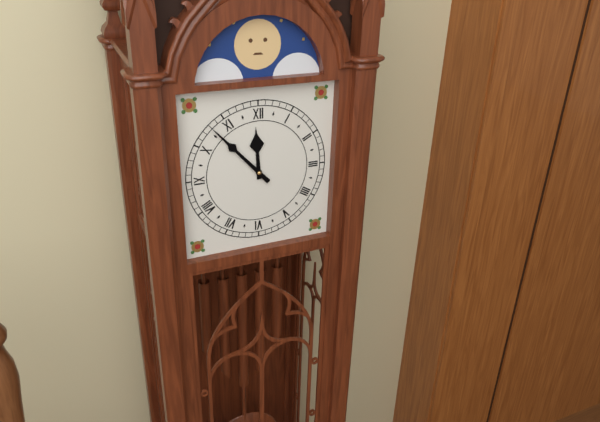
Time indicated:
11 h 53 min
